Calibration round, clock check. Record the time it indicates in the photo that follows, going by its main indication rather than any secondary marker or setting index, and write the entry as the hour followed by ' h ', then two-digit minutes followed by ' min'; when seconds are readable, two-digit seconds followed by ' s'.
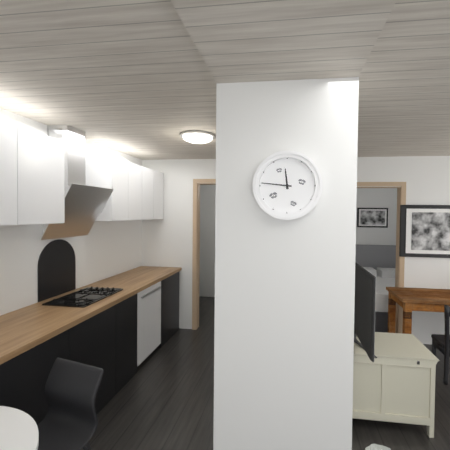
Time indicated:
11 h 46 min
